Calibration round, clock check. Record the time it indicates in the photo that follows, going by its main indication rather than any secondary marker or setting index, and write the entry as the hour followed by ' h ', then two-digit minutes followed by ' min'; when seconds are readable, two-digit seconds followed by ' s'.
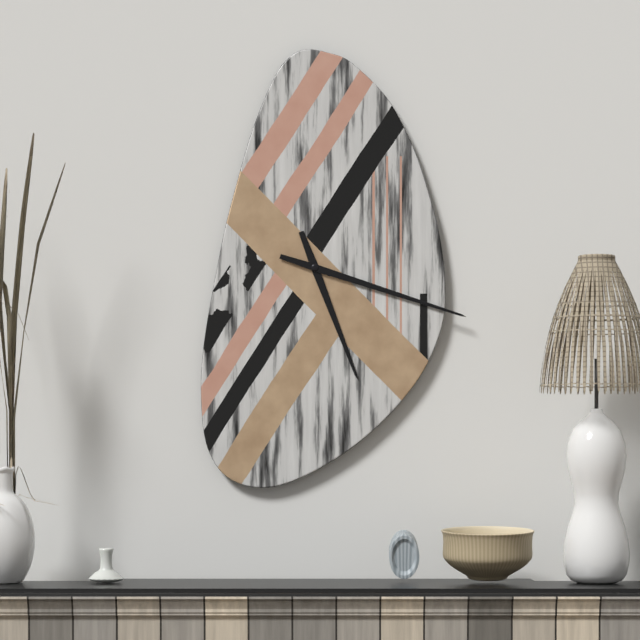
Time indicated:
5 h 18 min
